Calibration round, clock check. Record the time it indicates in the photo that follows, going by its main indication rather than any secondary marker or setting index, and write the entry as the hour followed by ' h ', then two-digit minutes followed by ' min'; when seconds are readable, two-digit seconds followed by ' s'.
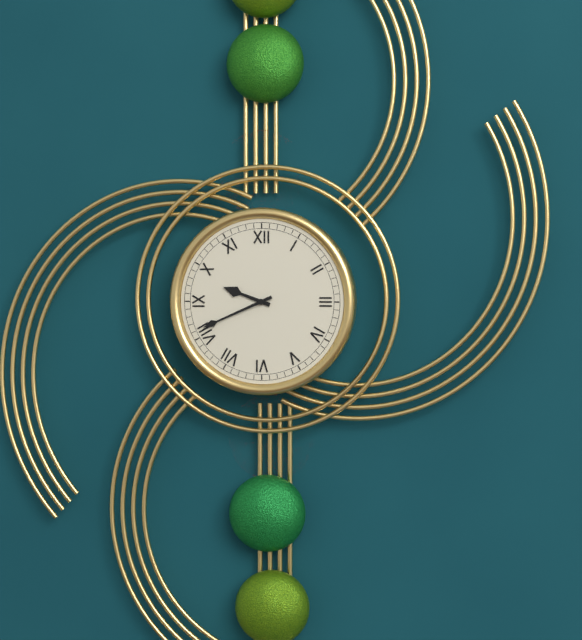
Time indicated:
9 h 41 min
